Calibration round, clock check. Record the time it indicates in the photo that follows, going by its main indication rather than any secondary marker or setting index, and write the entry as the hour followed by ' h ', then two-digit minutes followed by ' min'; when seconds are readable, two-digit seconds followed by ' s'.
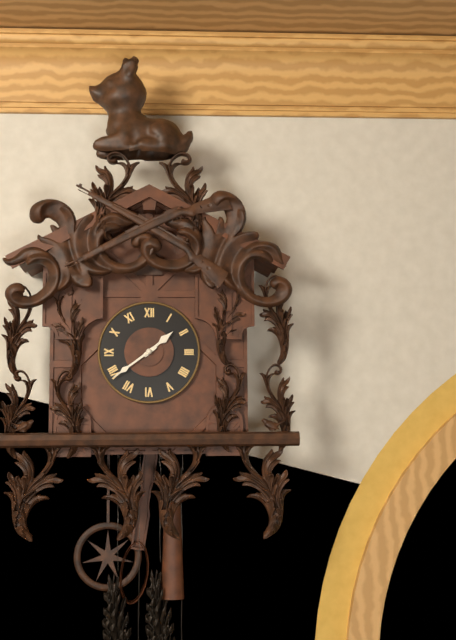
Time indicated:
1 h 39 min
